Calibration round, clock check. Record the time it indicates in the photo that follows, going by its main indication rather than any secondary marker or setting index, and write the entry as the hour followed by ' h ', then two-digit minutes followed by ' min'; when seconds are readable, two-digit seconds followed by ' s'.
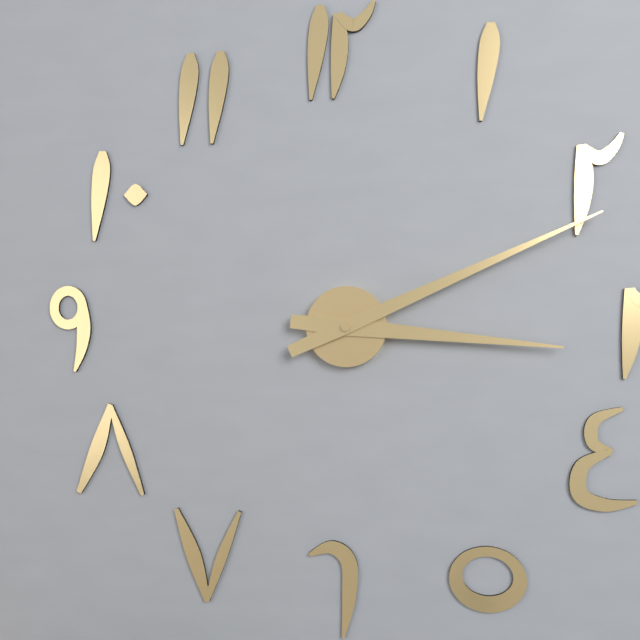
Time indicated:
3 h 11 min
